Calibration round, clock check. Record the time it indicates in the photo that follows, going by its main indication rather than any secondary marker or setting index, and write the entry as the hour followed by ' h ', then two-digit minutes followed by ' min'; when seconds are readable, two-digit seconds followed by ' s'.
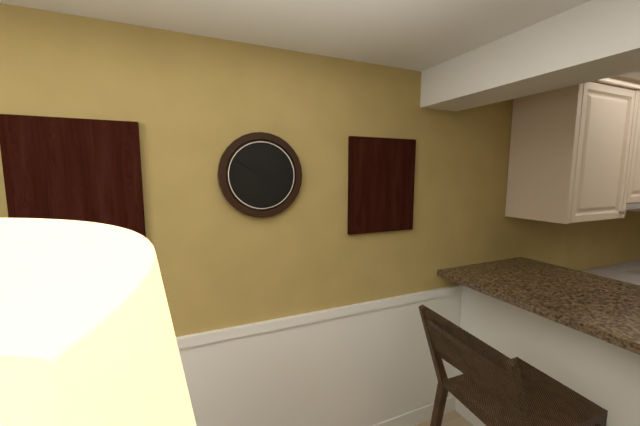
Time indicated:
11 h 50 min
